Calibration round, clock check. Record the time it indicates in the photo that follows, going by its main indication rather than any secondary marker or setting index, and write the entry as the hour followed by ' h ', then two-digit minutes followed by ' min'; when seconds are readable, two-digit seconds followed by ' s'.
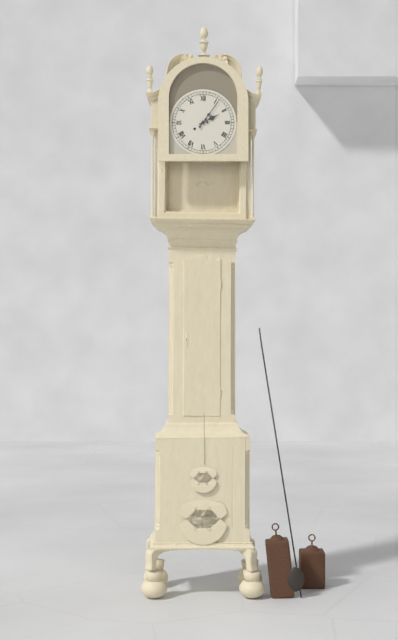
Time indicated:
2 h 06 min
